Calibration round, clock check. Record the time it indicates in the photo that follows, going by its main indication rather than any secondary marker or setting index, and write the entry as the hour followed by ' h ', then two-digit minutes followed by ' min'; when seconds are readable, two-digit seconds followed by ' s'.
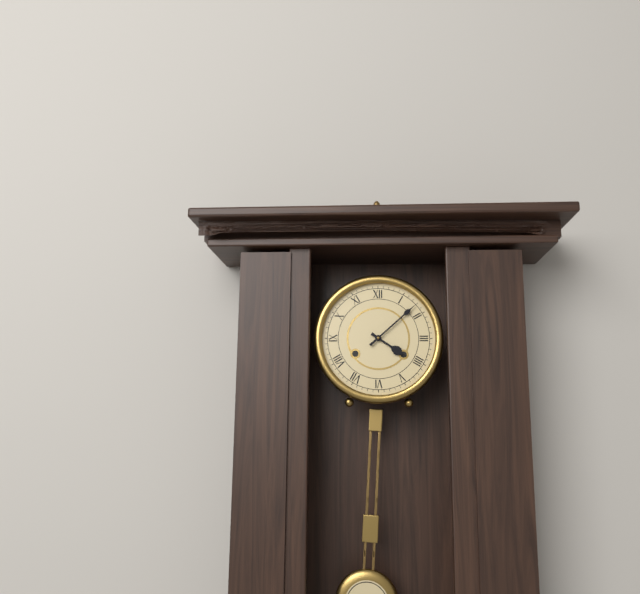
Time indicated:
4 h 08 min
